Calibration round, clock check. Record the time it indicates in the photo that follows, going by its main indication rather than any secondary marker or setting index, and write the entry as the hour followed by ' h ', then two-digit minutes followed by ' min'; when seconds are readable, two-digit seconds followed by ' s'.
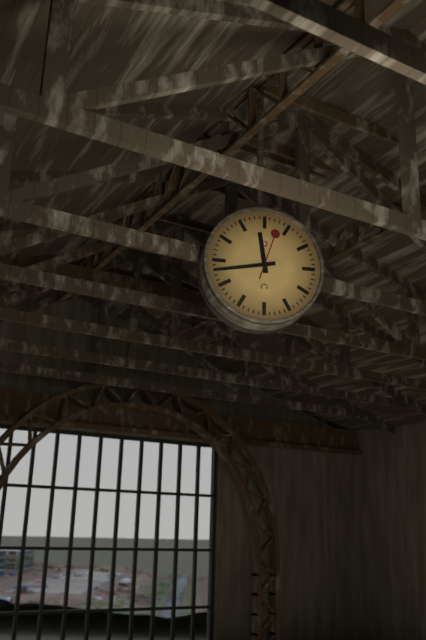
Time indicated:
11 h 43 min
